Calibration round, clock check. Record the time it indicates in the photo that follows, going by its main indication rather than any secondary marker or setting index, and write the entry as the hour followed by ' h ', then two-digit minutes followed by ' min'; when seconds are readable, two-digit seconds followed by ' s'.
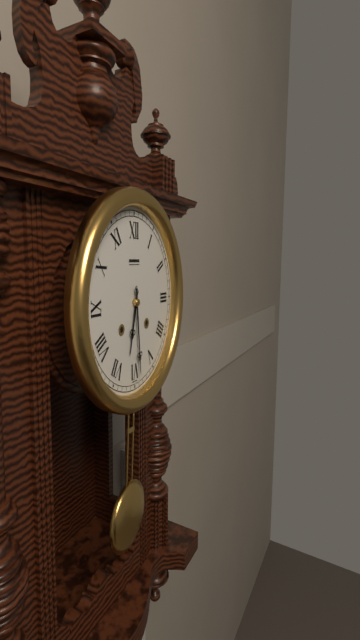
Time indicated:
6 h 29 min
